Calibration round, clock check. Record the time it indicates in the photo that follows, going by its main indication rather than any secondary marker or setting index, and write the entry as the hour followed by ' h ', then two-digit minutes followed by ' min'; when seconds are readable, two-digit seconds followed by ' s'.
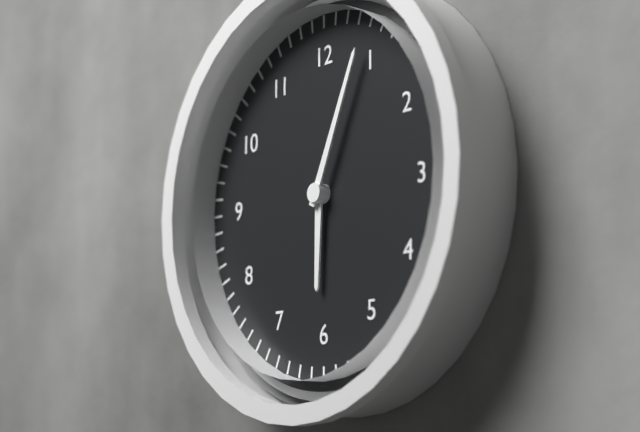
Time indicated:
6 h 04 min
